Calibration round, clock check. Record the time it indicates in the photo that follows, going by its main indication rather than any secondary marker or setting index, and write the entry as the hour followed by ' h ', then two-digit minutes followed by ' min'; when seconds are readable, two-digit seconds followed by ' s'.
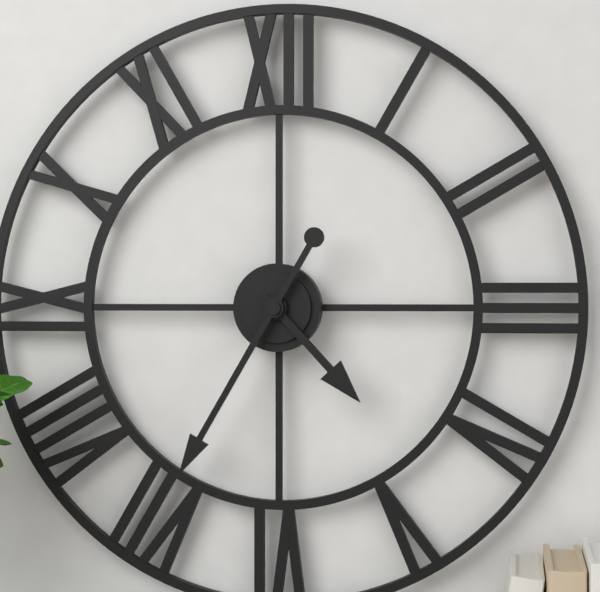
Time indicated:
4 h 35 min
